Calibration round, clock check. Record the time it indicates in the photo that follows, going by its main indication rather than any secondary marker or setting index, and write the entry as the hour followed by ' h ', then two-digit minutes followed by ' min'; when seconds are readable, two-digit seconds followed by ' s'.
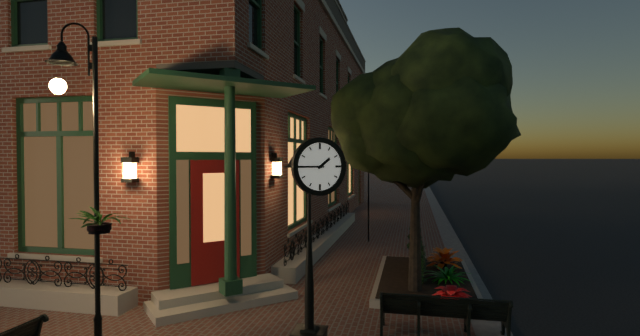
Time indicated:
1 h 45 min
